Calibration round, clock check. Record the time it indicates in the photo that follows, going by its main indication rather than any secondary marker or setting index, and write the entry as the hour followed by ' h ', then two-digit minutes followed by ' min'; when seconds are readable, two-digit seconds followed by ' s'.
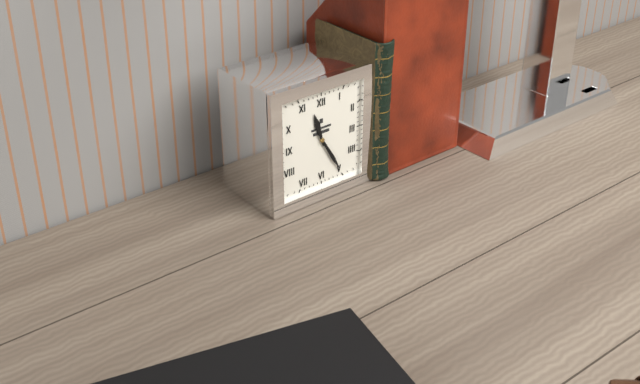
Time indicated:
11 h 25 min
